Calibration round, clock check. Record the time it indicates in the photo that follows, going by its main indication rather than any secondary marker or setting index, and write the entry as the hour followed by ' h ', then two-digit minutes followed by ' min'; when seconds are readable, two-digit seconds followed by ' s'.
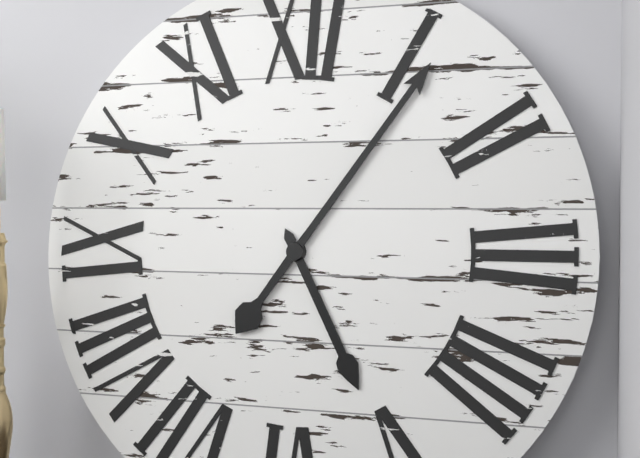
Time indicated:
5 h 06 min
